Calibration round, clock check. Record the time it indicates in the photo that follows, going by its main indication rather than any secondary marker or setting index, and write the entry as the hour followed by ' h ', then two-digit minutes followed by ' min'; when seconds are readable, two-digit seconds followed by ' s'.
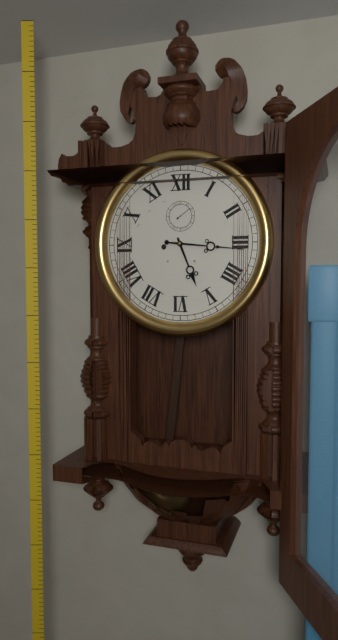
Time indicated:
5 h 16 min
